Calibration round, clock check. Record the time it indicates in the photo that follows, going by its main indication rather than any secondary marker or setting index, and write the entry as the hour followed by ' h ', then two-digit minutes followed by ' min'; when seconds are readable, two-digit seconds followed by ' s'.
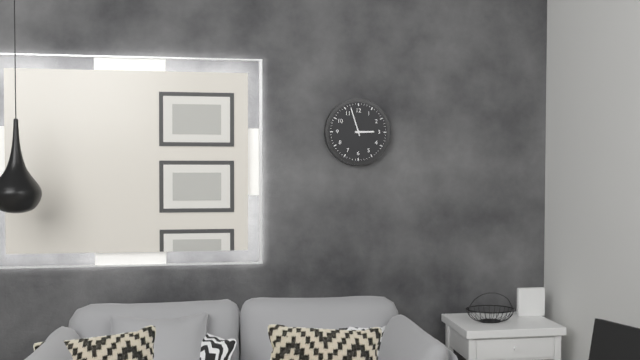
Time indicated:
2 h 57 min
